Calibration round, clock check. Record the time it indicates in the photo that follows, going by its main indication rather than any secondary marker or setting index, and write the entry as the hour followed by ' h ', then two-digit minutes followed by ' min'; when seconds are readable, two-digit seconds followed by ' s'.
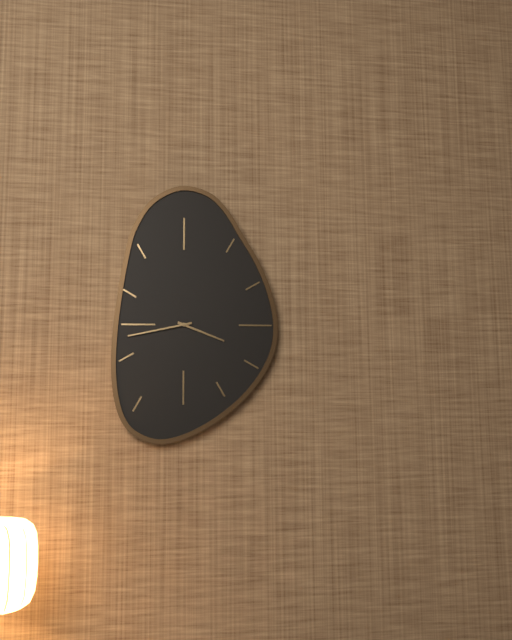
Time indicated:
3 h 43 min
